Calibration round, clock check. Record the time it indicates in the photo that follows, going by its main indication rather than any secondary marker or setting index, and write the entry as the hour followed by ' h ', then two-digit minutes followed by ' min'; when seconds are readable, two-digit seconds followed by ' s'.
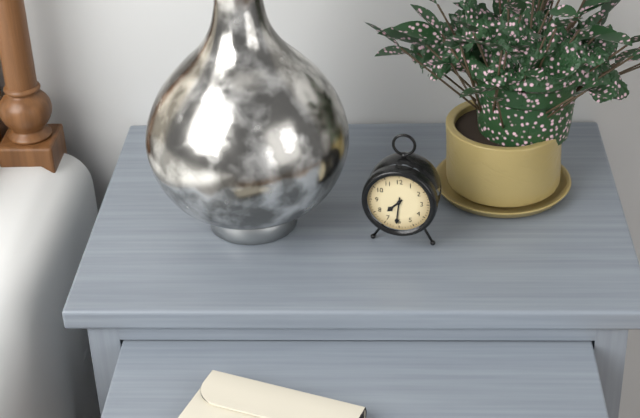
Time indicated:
7 h 31 min
